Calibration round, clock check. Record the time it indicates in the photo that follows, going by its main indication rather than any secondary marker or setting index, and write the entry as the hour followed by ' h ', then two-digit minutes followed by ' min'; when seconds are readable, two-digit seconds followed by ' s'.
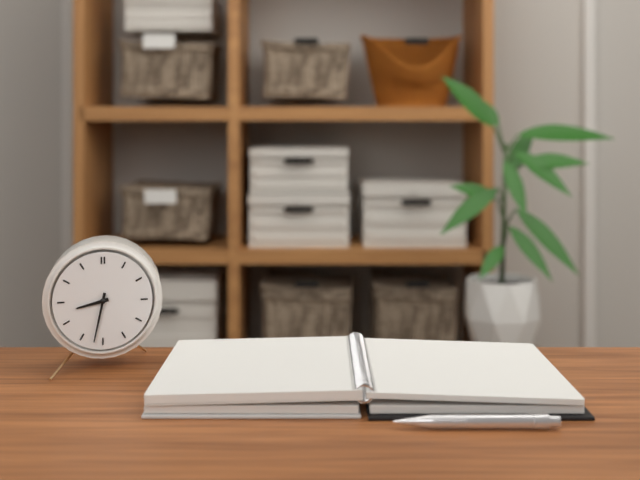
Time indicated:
8 h 32 min
